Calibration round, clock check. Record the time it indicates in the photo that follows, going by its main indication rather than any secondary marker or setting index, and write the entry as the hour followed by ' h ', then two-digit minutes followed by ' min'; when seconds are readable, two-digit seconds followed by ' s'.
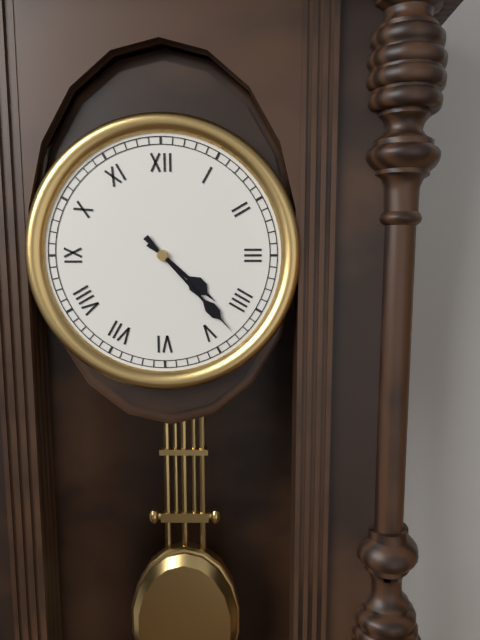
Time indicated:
4 h 23 min
